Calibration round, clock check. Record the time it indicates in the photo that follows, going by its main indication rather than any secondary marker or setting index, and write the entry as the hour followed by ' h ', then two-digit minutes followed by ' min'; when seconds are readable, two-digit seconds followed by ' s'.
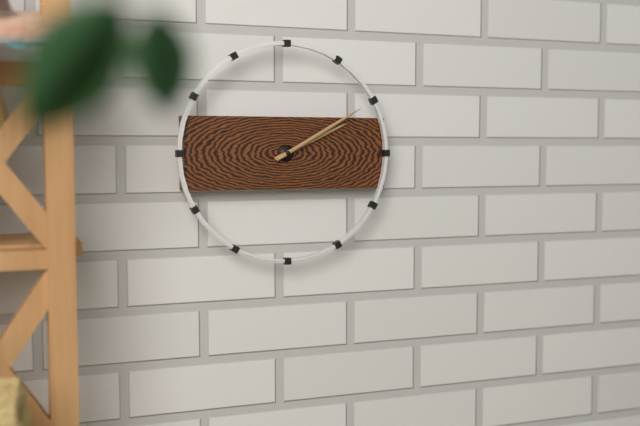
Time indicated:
2 h 10 min
